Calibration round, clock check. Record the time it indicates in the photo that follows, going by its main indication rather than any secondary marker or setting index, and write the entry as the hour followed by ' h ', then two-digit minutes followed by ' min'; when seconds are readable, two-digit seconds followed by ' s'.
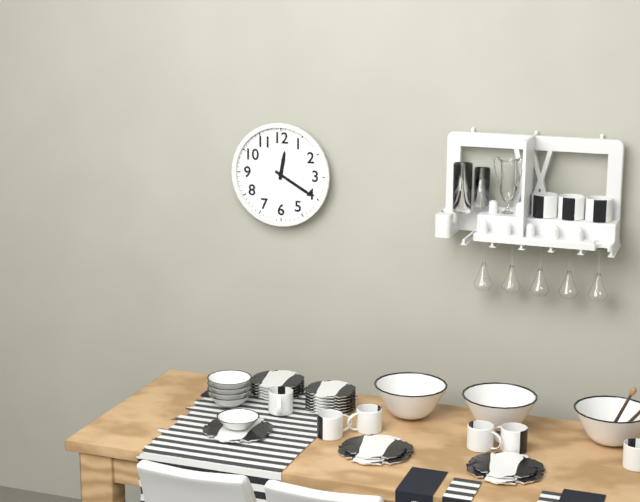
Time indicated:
12 h 20 min
